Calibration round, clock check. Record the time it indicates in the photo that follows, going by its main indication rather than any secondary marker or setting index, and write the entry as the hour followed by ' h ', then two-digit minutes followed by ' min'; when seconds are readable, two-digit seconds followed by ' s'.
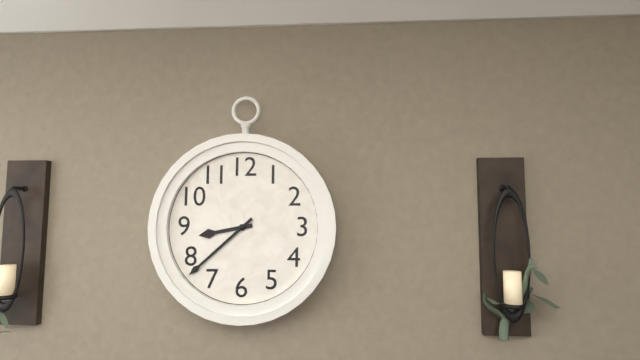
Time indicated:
8 h 38 min
